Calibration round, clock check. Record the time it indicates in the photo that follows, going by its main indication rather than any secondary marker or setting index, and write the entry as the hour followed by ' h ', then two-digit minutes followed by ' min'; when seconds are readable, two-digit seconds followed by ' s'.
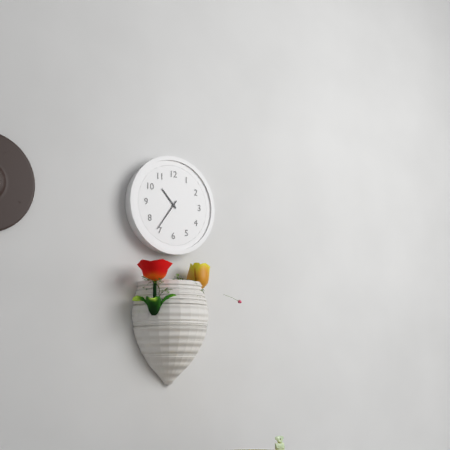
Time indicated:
10 h 36 min
